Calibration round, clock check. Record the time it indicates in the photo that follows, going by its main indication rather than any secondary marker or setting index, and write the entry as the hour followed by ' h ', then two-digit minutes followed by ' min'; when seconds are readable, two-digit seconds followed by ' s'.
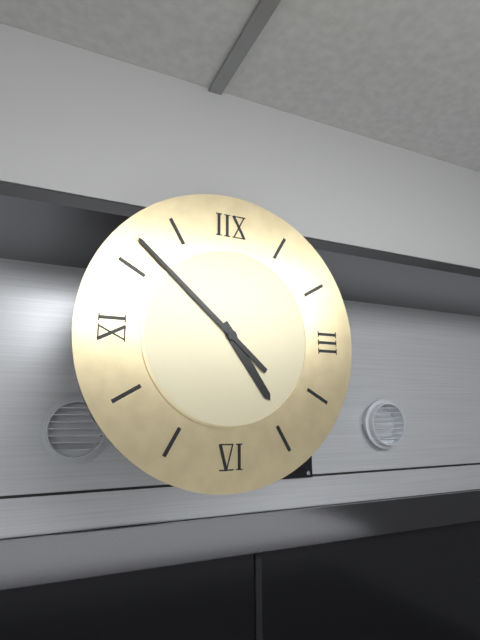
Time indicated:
4 h 52 min
